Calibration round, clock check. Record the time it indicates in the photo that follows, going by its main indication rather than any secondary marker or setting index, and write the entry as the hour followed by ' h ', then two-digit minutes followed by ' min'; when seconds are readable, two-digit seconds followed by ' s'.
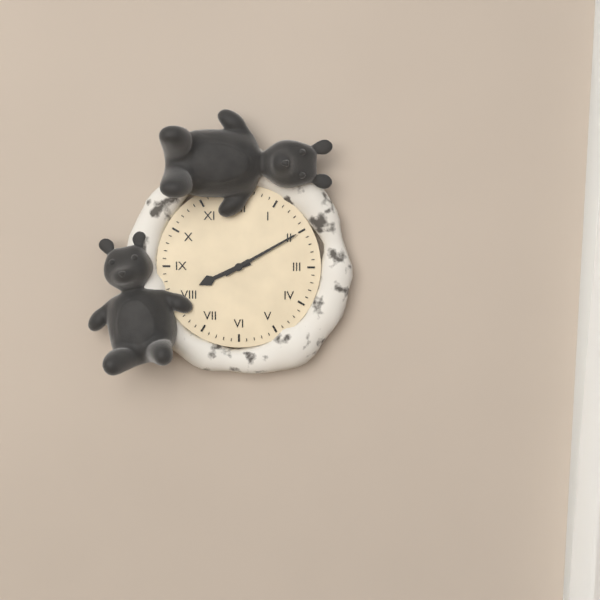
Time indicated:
8 h 10 min
